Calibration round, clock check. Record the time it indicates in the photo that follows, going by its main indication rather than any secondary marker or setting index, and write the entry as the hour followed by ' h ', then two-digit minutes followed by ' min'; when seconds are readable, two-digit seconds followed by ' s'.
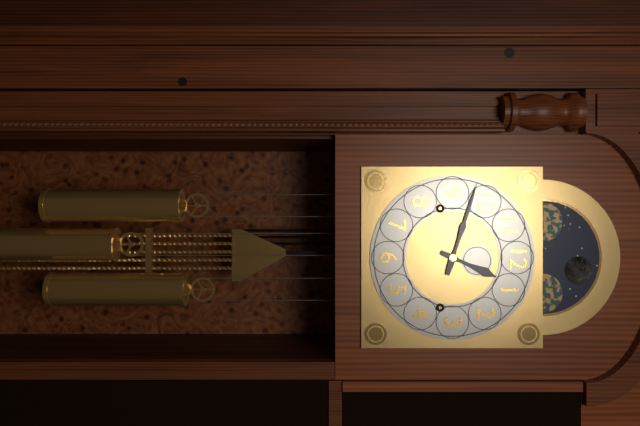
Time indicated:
12 h 48 min
